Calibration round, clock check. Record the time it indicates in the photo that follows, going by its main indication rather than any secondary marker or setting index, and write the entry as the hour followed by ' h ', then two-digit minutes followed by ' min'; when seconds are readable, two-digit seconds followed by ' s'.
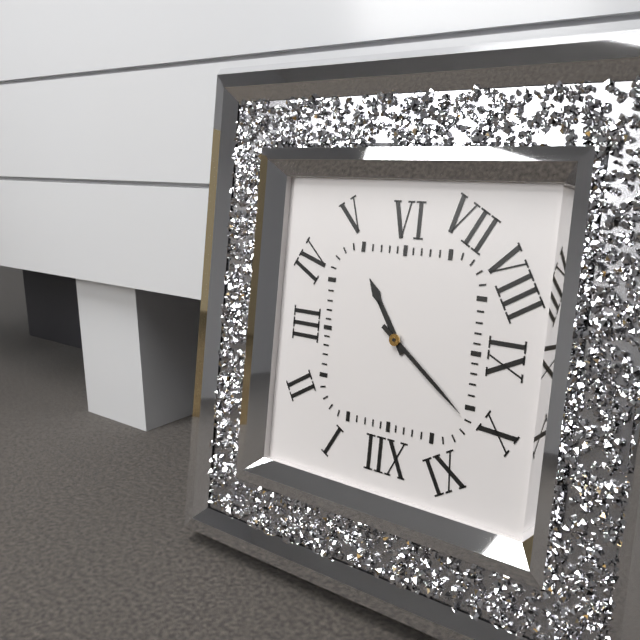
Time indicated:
4 h 51 min
